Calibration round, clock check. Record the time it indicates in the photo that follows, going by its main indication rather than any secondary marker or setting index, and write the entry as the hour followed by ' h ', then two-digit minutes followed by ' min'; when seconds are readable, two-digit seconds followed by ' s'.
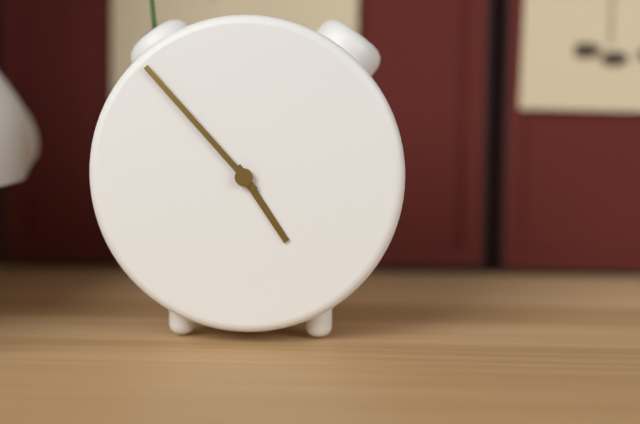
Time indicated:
4 h 53 min
